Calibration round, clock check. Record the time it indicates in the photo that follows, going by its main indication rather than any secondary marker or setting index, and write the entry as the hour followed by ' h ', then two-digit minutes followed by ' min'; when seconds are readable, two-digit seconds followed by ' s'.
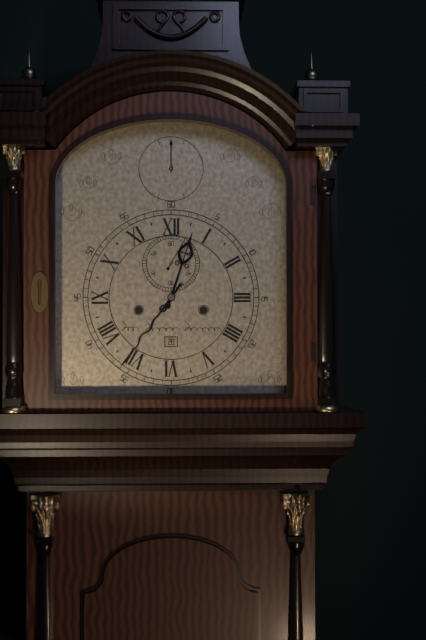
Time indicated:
12 h 36 min
